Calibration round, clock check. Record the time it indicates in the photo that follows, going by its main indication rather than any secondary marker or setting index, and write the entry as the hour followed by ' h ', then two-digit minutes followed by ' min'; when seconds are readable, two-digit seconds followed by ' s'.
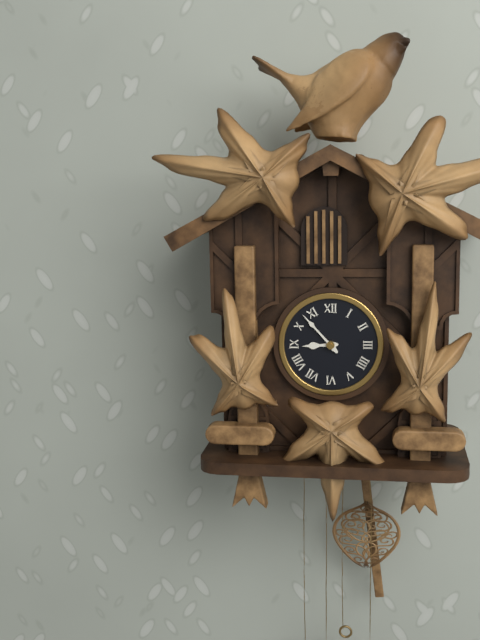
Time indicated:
8 h 53 min
